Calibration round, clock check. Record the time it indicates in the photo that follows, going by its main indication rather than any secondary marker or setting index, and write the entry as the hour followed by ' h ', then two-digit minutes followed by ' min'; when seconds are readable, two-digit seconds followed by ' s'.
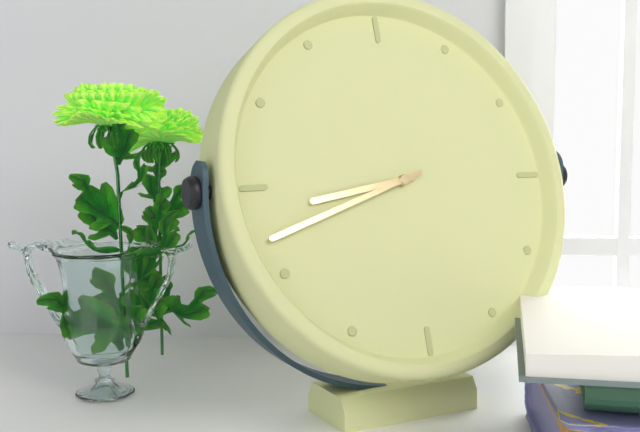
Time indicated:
8 h 42 min
